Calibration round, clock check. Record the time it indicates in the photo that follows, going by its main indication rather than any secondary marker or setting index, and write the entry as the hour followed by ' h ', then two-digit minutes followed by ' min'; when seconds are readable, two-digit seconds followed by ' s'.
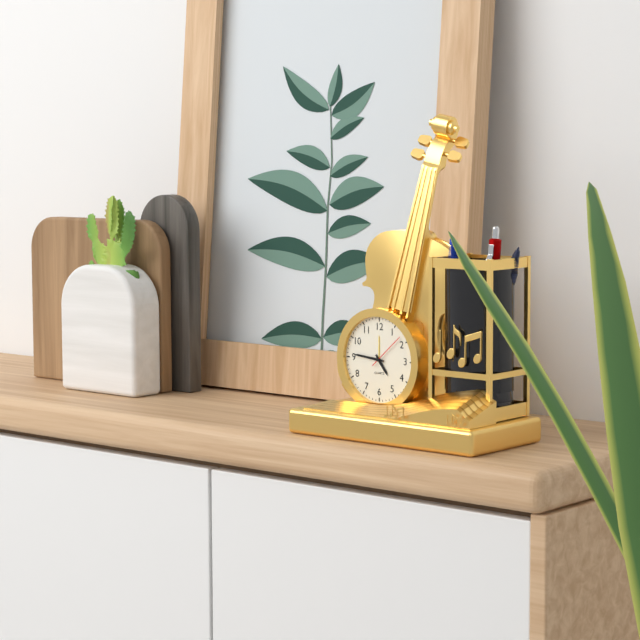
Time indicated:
4 h 46 min
